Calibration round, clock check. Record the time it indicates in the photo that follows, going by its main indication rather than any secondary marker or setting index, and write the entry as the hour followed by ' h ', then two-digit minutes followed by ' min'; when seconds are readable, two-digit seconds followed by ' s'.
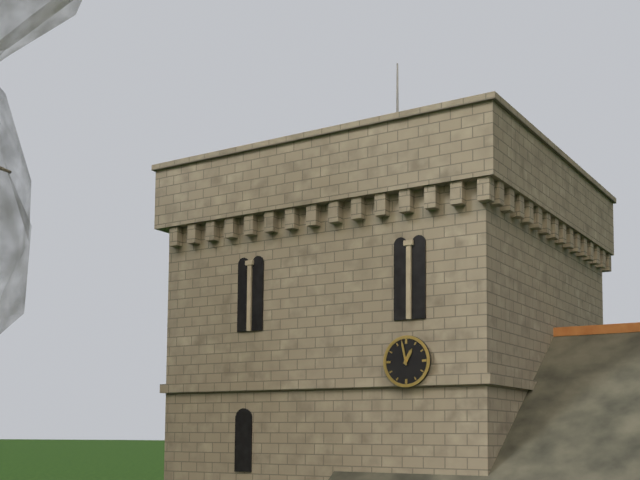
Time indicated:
12 h 58 min
